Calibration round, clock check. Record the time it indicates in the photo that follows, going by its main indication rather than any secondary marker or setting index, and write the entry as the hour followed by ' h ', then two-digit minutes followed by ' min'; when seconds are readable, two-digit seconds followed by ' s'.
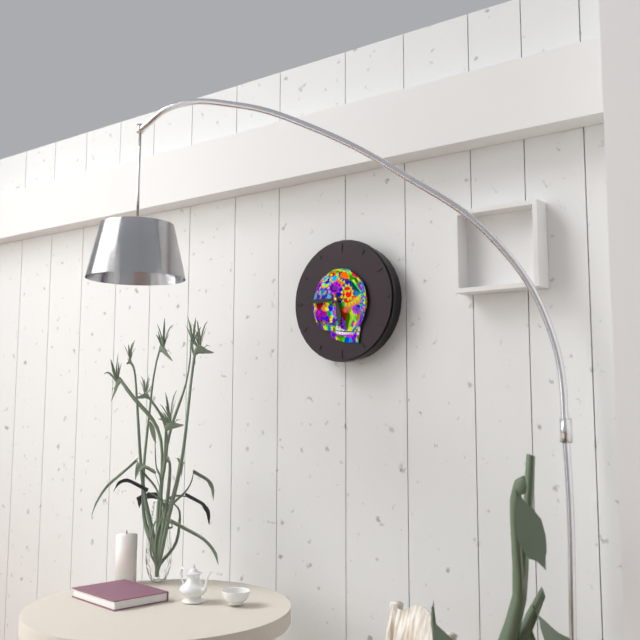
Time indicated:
5 h 45 min
